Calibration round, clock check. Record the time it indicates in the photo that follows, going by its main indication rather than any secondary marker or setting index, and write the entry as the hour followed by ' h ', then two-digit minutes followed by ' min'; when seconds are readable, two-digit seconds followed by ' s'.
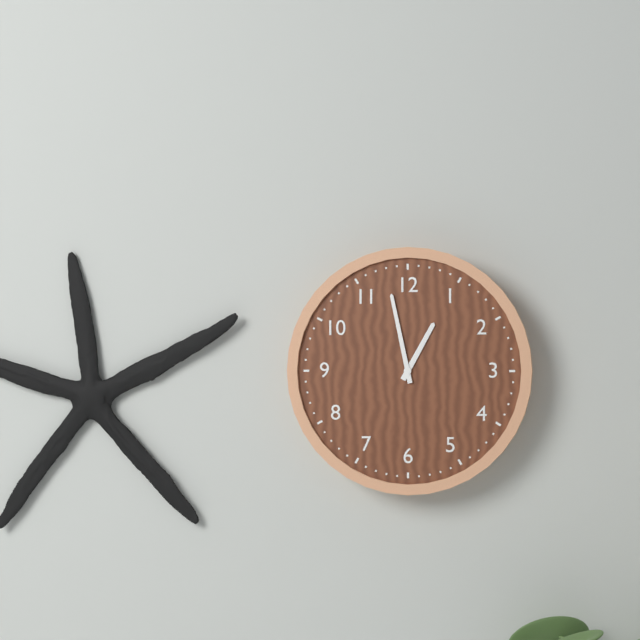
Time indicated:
12 h 58 min
